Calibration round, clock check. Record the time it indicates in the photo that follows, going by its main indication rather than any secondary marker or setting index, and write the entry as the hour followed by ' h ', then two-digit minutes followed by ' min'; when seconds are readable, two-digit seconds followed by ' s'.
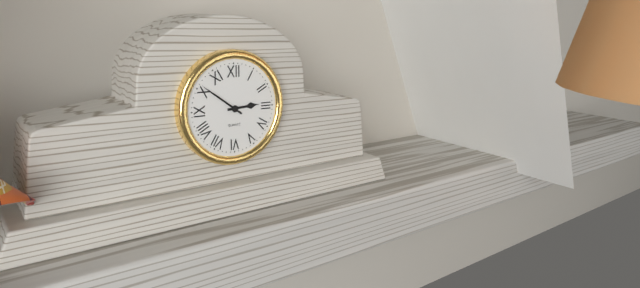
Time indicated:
2 h 51 min
